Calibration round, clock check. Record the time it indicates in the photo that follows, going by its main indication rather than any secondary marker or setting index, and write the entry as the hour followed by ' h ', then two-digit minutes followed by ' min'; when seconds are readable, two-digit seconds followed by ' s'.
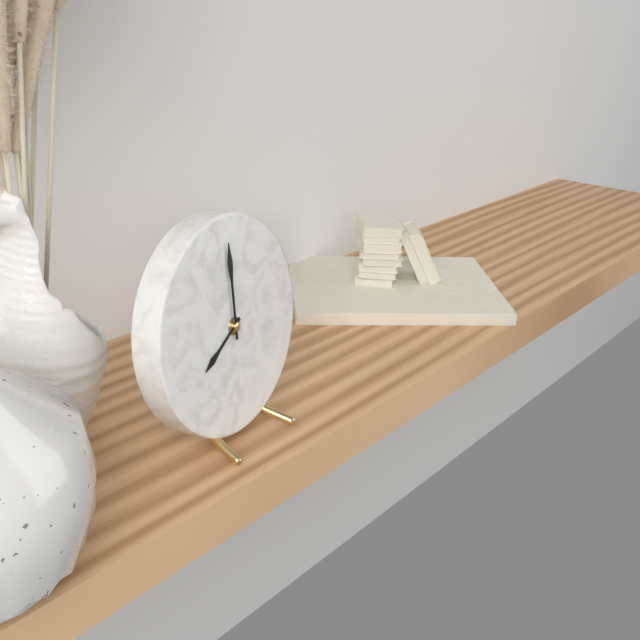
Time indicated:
8 h 00 min
